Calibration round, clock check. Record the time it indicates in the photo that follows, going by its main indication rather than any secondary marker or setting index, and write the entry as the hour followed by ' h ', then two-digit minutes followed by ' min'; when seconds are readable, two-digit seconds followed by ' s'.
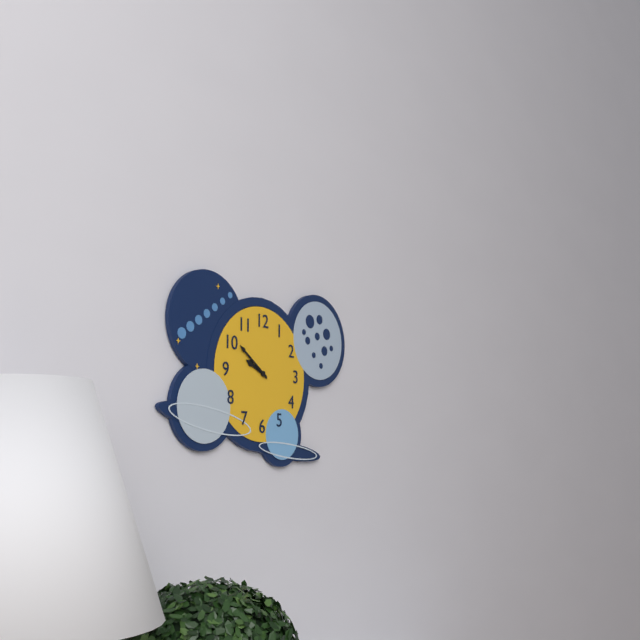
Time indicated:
9 h 51 min
